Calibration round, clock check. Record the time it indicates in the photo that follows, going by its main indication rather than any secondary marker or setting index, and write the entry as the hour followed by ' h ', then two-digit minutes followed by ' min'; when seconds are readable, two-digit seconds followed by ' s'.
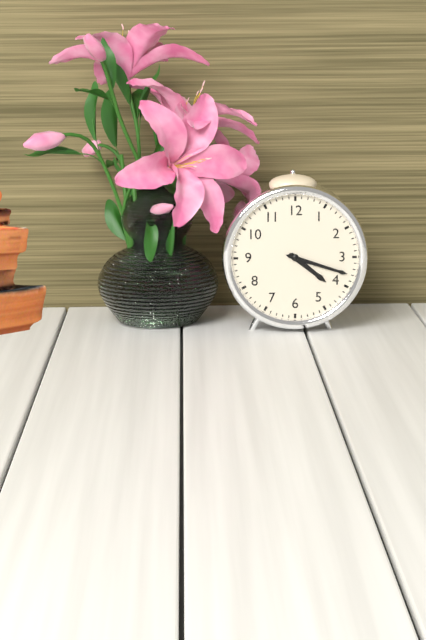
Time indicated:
4 h 18 min
